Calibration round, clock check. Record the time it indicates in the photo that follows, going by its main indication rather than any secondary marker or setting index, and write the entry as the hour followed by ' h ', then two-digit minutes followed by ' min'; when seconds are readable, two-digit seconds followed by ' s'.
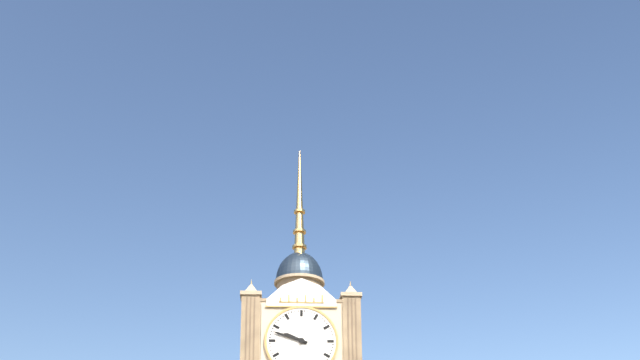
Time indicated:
9 h 48 min
